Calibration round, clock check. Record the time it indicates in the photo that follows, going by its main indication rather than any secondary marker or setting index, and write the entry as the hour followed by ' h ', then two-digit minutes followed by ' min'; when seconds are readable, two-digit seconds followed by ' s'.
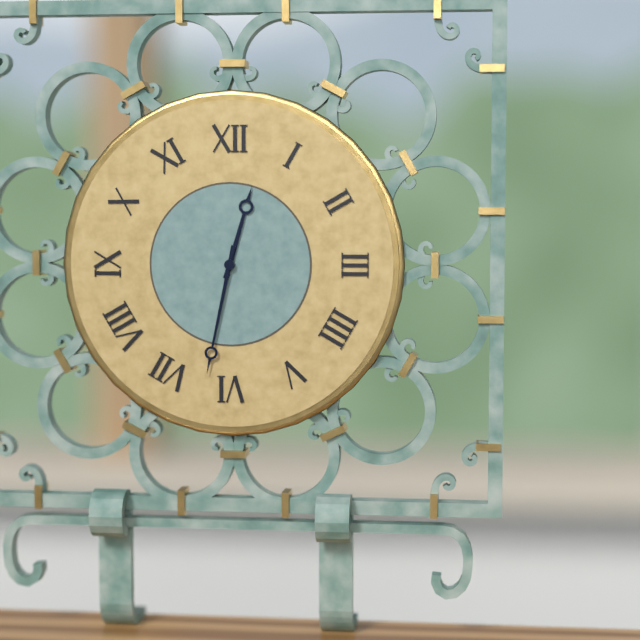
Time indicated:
12 h 32 min
